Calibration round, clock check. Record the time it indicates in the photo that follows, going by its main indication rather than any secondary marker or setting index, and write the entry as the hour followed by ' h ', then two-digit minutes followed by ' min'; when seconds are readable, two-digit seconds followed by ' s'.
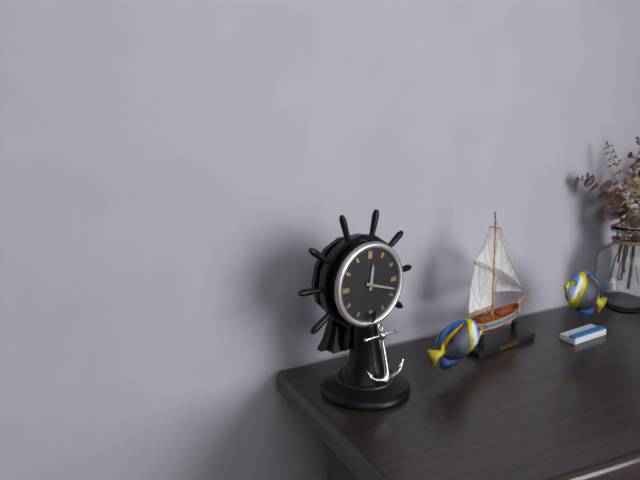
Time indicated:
12 h 18 min
